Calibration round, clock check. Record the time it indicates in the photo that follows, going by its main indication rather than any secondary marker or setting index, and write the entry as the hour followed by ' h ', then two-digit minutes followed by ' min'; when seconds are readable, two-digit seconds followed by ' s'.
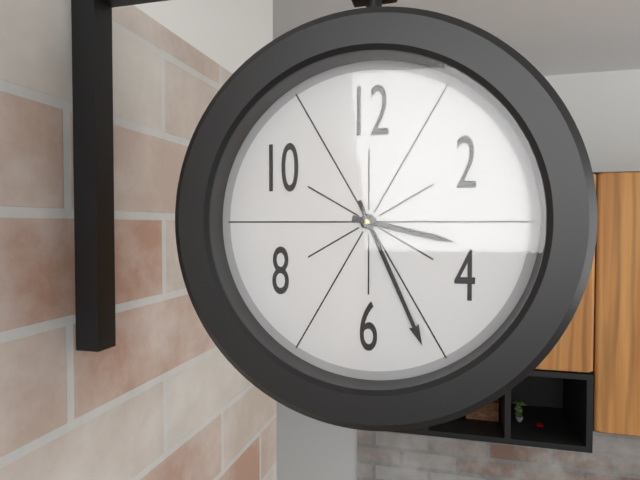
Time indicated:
3 h 26 min
